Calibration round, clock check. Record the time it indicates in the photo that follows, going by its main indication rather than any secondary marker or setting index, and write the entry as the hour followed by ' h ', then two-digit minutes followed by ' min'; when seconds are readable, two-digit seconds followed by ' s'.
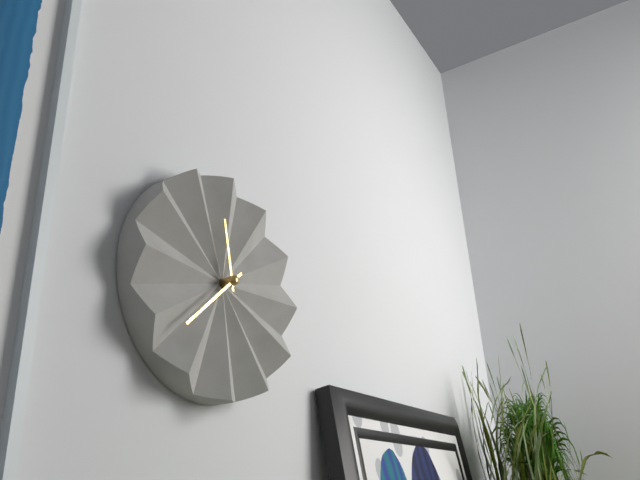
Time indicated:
11 h 38 min
